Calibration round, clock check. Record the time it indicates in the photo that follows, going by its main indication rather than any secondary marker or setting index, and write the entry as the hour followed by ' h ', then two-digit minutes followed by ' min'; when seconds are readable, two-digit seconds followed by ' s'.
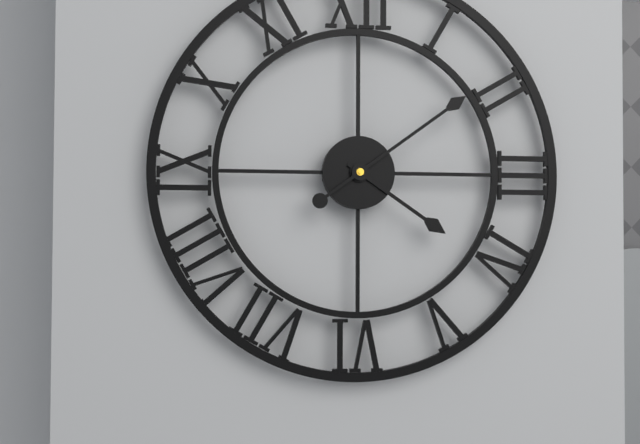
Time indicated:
4 h 09 min
